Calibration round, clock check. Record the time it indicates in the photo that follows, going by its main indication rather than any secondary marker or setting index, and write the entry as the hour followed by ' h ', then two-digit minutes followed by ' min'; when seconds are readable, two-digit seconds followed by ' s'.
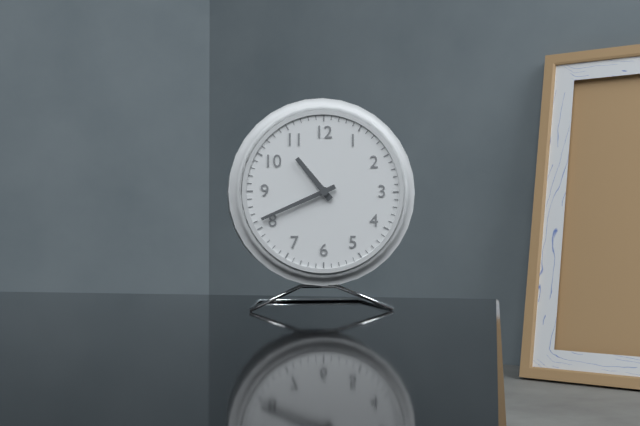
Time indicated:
10 h 41 min
